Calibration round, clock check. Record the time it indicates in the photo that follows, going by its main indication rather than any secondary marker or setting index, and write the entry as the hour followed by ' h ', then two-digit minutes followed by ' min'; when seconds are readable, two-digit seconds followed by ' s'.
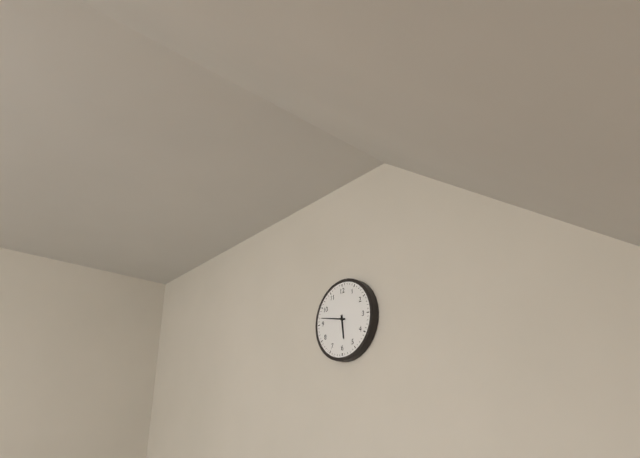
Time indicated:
5 h 47 min
